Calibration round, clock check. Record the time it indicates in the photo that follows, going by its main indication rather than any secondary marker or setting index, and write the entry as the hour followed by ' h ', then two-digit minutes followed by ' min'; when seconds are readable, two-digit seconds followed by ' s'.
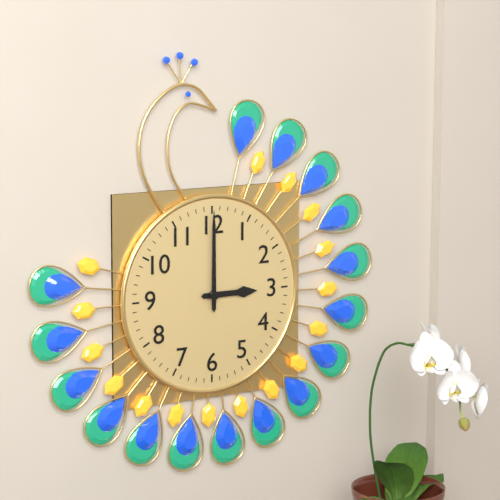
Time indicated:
3 h 00 min
